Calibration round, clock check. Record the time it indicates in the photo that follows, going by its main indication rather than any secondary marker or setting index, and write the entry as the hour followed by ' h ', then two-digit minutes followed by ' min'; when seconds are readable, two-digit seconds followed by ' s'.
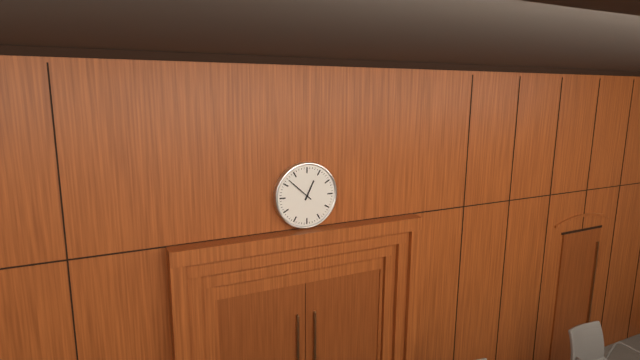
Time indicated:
12 h 52 min
